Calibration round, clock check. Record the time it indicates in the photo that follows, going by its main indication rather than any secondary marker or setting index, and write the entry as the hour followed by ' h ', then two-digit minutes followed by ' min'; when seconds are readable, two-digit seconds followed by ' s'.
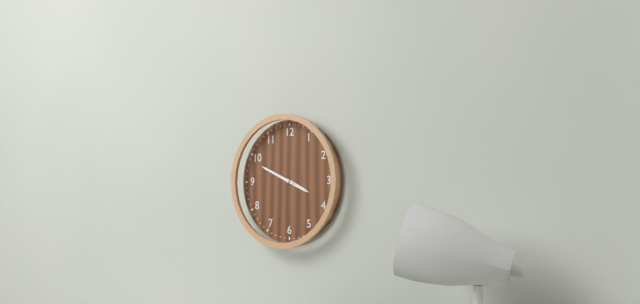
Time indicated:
3 h 49 min
